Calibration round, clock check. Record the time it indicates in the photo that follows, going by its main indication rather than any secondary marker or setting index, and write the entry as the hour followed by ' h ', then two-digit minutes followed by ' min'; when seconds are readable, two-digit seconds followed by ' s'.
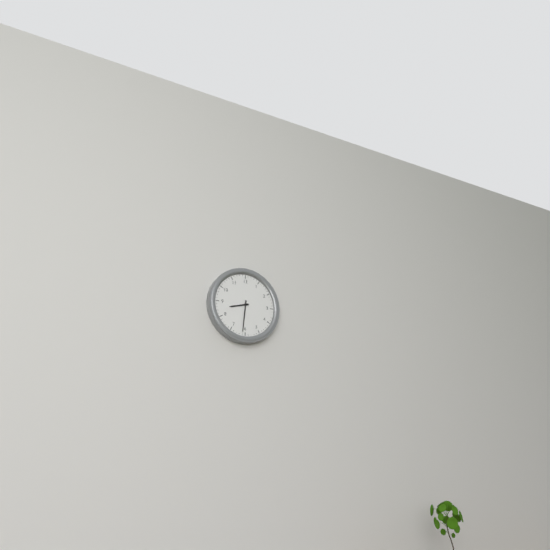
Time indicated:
8 h 31 min
